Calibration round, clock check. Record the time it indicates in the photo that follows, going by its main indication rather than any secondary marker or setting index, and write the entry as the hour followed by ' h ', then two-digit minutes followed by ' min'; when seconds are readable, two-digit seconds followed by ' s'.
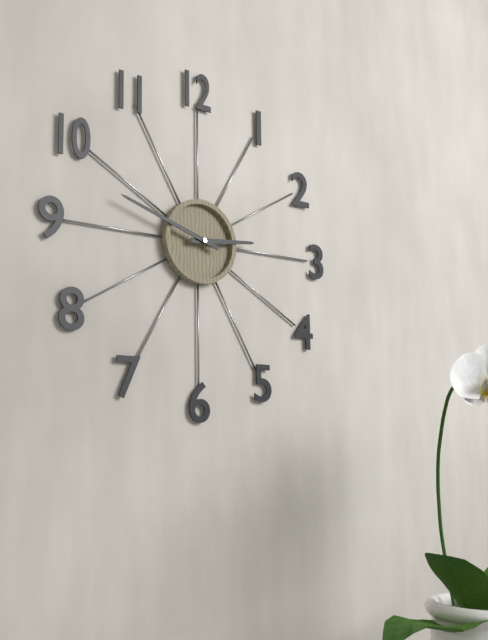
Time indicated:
2 h 48 min
